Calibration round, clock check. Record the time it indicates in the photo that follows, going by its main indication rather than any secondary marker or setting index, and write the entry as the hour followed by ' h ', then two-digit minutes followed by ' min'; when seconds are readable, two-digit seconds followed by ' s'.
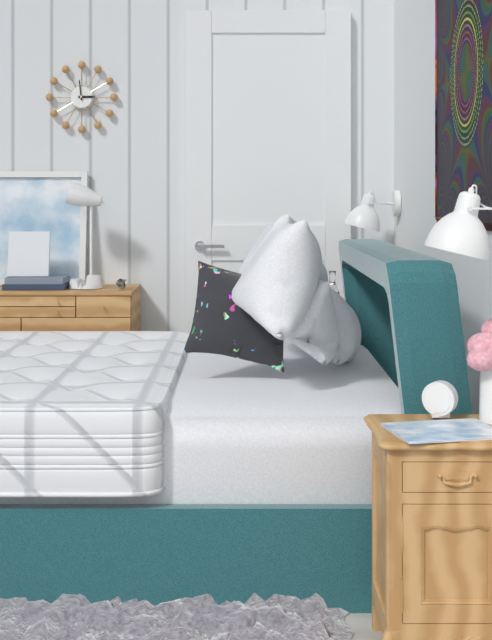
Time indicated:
2 h 59 min
